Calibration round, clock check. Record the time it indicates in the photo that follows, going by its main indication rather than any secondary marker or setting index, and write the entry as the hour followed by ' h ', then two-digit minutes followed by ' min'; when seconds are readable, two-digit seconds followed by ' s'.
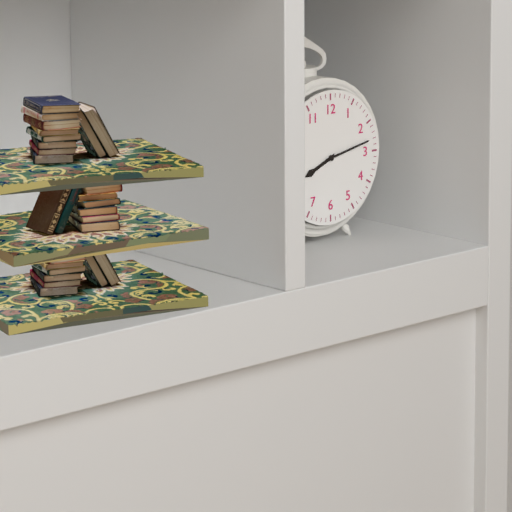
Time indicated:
8 h 13 min
